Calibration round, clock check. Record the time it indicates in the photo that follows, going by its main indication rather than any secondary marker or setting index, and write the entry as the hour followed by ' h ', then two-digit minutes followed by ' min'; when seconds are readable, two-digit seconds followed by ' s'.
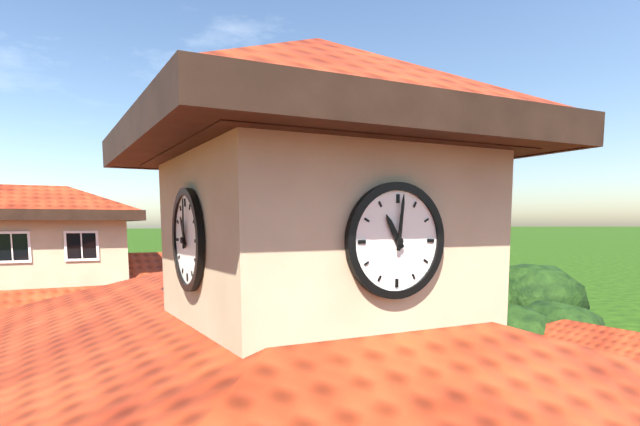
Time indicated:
11 h 01 min
